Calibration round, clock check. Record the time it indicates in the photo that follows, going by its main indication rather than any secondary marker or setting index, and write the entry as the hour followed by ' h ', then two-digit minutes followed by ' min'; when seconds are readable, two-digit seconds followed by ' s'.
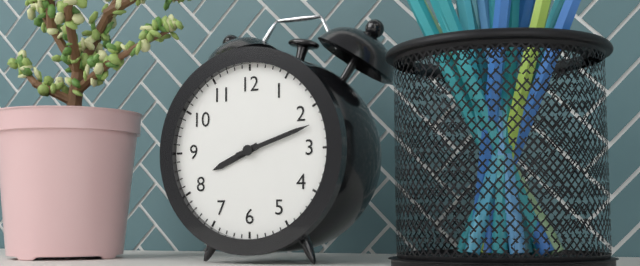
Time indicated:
8 h 12 min
